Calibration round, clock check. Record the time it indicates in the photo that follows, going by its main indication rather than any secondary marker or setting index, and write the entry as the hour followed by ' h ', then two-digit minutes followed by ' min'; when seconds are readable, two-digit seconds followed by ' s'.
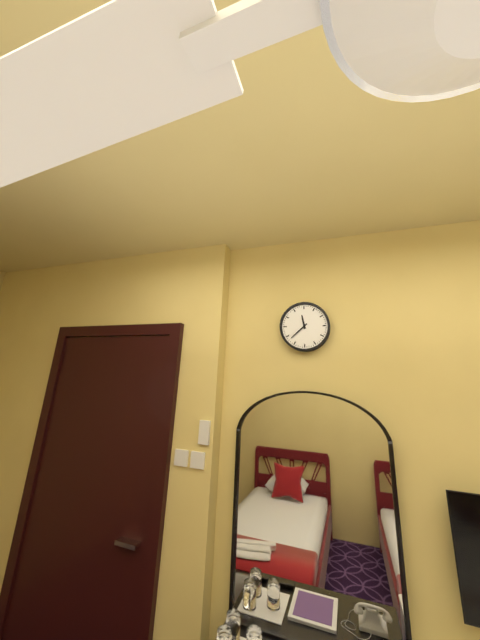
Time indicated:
11 h 38 min
